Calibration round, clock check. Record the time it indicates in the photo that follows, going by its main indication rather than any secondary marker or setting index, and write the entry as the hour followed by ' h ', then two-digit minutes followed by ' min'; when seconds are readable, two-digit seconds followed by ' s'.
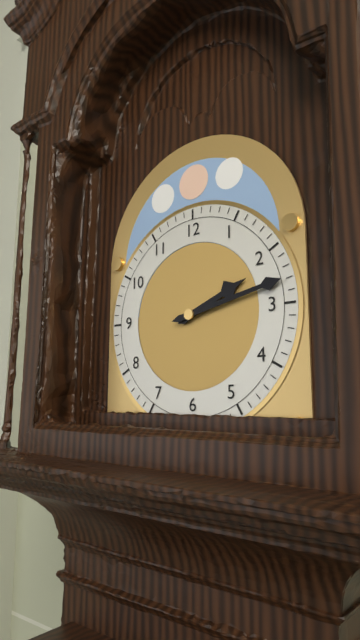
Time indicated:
2 h 13 min
